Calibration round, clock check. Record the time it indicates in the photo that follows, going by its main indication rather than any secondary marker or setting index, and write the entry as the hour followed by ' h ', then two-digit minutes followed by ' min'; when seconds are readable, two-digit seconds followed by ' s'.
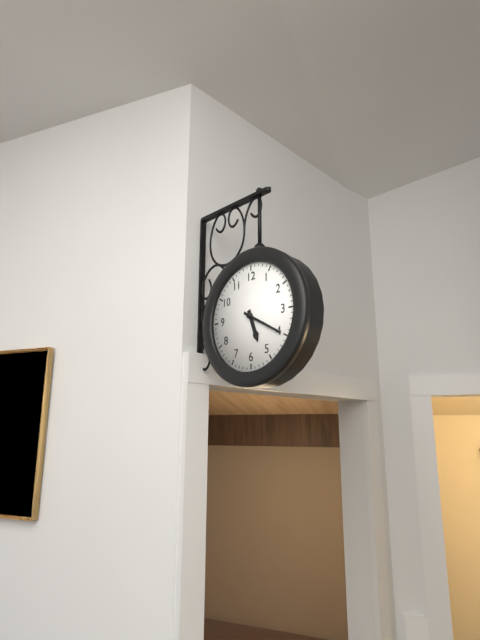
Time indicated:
5 h 20 min
